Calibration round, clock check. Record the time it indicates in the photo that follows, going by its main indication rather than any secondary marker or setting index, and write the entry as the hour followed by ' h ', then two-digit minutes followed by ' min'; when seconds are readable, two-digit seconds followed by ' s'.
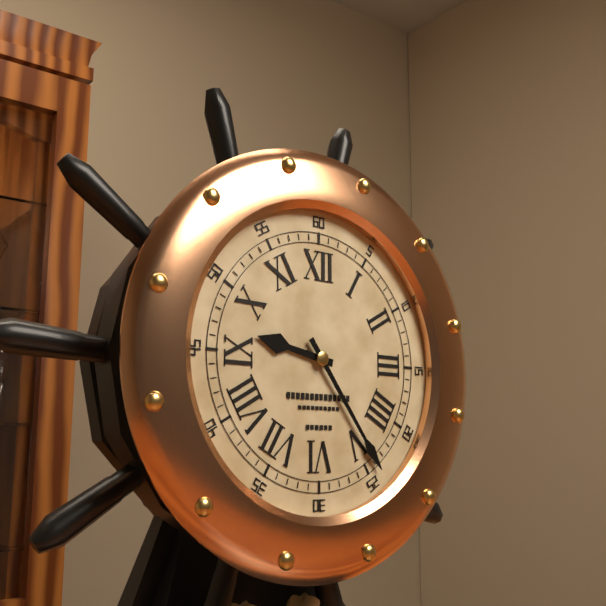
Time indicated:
9 h 24 min
